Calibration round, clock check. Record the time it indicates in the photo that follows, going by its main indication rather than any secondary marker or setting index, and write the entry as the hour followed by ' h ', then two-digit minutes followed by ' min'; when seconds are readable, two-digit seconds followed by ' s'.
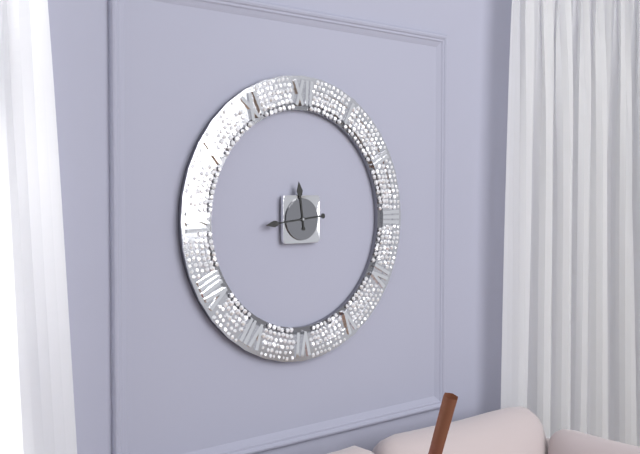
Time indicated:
11 h 44 min
